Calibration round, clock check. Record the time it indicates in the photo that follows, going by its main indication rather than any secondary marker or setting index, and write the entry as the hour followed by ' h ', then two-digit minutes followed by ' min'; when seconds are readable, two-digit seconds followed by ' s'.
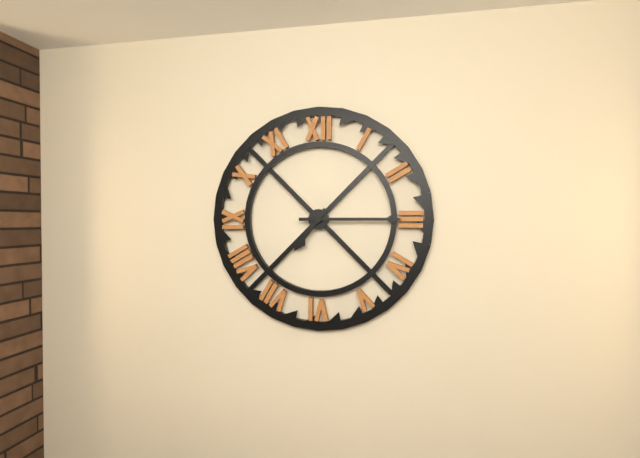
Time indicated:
7 h 15 min
